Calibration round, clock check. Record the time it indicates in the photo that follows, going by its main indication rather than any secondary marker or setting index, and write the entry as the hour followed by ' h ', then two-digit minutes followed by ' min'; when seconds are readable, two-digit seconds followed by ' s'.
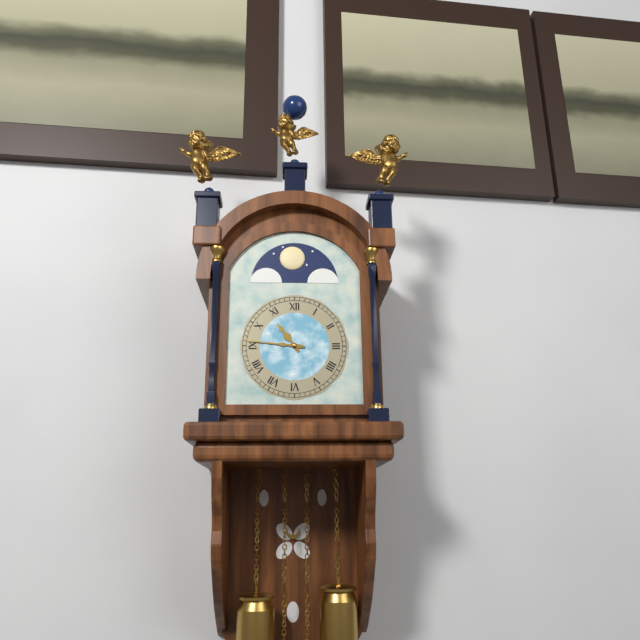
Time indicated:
10 h 46 min
